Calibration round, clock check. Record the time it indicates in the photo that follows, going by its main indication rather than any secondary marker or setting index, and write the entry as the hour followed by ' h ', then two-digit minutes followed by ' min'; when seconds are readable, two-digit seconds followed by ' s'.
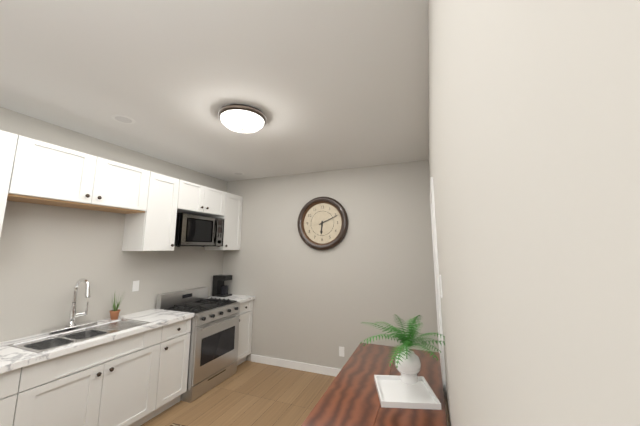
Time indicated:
6 h 11 min
